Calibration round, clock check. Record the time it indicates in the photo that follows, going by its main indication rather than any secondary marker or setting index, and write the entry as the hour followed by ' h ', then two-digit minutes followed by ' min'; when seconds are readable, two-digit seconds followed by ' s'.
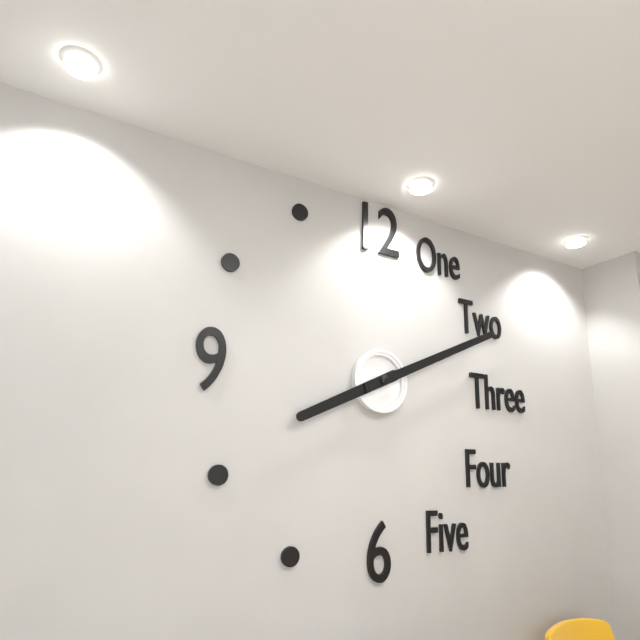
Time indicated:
8 h 11 min
